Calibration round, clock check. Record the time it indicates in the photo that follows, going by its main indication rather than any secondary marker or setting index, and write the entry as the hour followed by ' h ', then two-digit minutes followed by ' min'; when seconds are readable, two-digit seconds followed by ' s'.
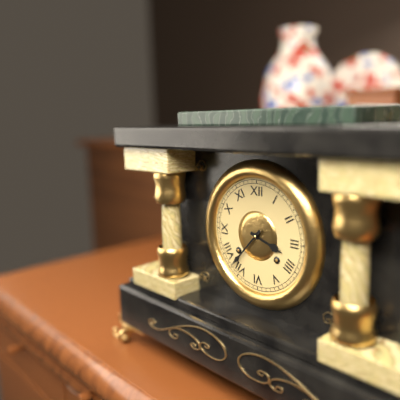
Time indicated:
3 h 37 min
